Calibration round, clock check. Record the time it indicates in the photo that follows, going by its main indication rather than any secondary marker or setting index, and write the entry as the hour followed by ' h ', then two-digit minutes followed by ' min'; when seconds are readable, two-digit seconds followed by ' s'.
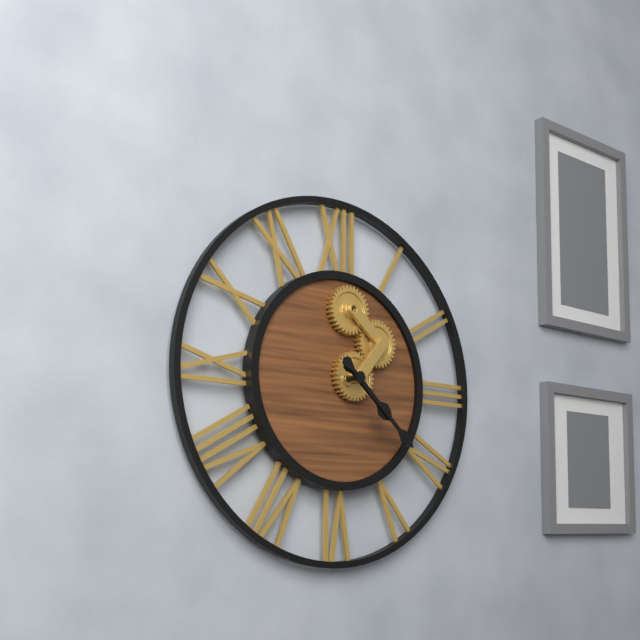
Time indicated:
4 h 22 min
